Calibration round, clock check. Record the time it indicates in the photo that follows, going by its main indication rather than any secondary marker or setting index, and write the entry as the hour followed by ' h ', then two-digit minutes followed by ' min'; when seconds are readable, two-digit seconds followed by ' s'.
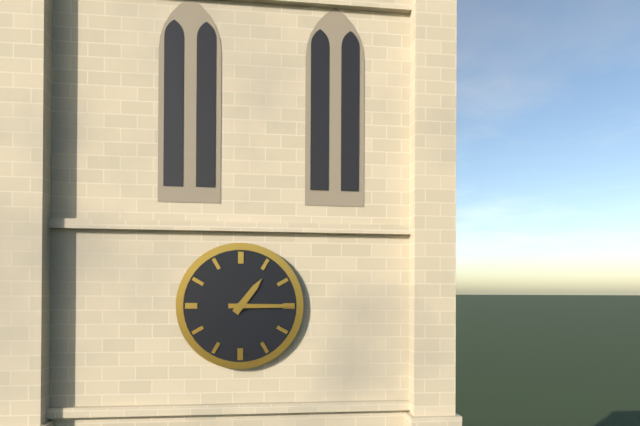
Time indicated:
1 h 15 min
